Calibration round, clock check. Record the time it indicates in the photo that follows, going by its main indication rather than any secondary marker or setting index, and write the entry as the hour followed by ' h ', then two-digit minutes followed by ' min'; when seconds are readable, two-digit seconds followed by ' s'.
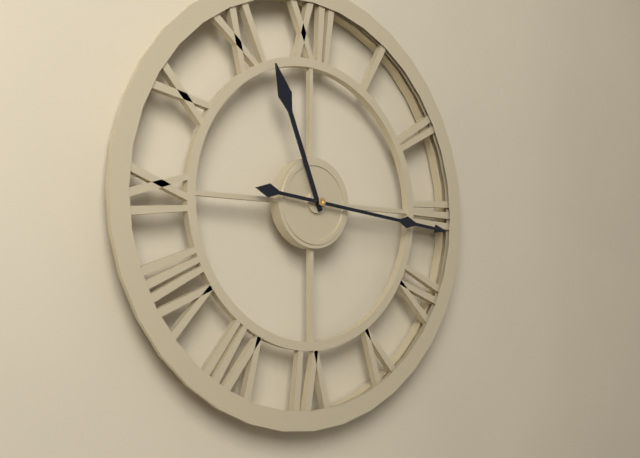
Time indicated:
11 h 16 min
